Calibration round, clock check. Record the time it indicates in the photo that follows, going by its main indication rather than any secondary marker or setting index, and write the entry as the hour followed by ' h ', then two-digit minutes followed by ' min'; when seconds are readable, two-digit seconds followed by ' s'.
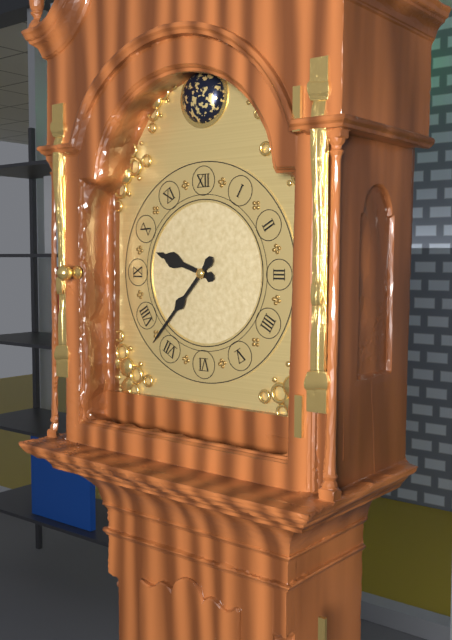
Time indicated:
9 h 37 min
